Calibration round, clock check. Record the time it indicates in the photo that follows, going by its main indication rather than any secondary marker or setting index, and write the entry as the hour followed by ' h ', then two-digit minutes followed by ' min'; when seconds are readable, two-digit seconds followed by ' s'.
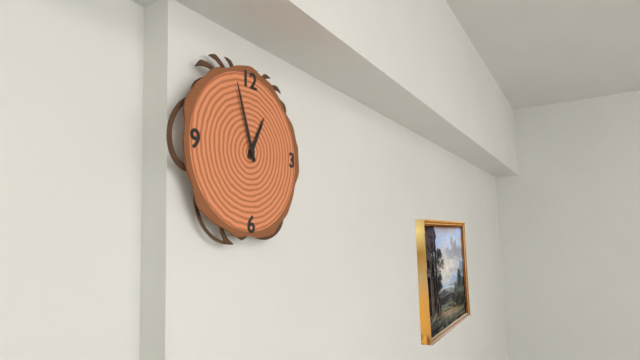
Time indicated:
12 h 57 min
